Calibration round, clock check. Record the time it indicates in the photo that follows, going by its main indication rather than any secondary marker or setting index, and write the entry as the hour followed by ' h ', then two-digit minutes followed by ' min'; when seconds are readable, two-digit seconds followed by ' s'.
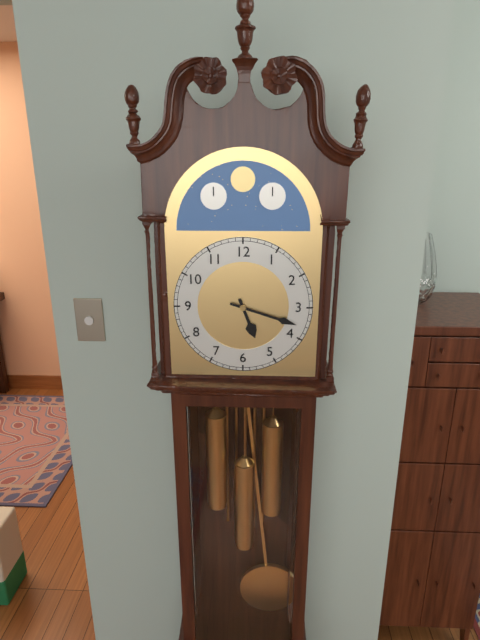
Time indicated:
5 h 18 min
